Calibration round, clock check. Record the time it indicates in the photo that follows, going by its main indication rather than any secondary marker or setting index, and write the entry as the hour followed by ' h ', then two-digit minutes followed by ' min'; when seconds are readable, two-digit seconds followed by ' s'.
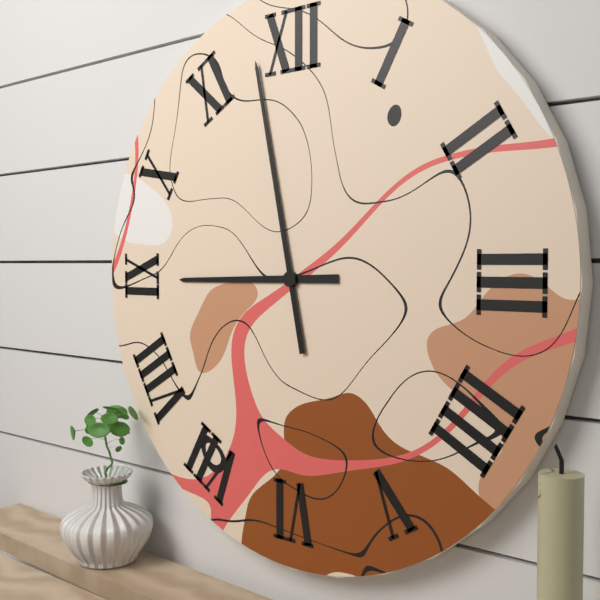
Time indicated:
8 h 58 min
